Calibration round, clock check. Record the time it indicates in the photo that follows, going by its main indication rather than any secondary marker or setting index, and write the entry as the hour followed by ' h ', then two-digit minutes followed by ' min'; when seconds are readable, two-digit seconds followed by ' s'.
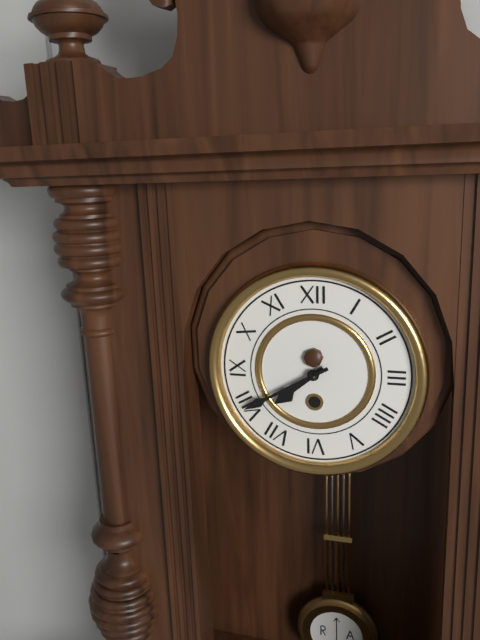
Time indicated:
7 h 40 min
